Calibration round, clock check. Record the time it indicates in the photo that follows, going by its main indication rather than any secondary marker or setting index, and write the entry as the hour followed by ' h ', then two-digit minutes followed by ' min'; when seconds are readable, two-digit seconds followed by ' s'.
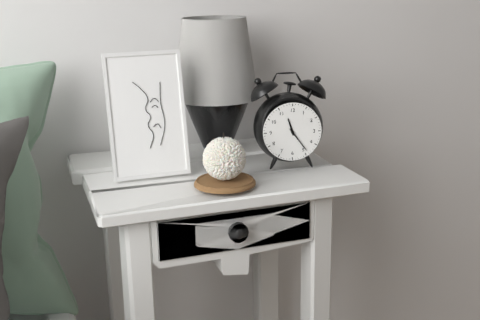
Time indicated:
11 h 24 min
